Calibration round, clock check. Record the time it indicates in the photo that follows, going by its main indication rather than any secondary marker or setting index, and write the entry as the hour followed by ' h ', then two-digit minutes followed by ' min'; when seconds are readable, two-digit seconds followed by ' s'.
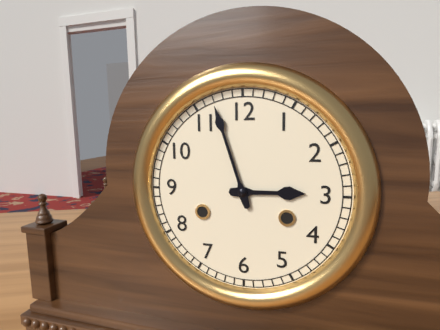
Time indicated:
2 h 57 min
